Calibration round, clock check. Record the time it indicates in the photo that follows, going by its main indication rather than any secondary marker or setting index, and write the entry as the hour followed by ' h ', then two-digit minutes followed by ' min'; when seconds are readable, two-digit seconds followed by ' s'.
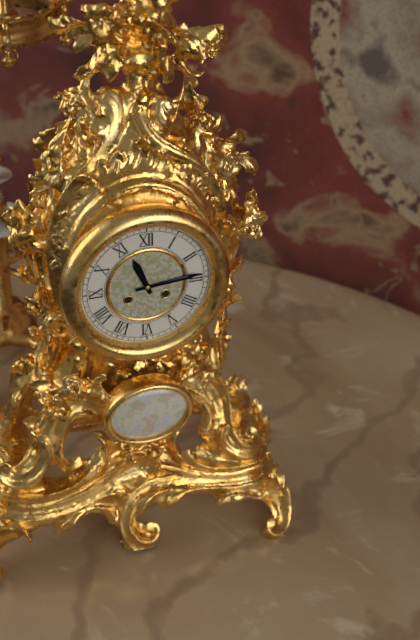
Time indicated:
11 h 14 min
